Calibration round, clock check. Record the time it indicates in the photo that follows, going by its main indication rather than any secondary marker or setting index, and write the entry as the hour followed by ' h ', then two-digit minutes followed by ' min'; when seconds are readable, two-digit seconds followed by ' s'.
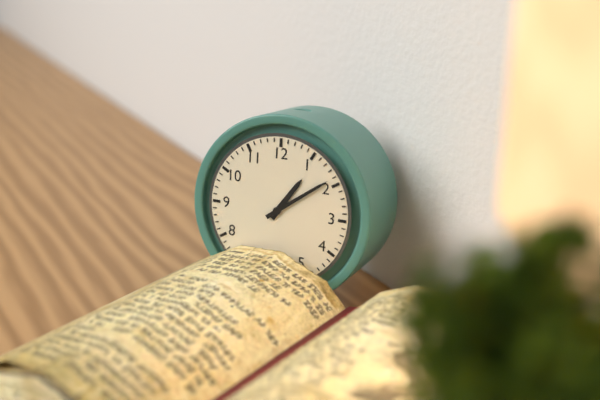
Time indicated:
1 h 09 min
